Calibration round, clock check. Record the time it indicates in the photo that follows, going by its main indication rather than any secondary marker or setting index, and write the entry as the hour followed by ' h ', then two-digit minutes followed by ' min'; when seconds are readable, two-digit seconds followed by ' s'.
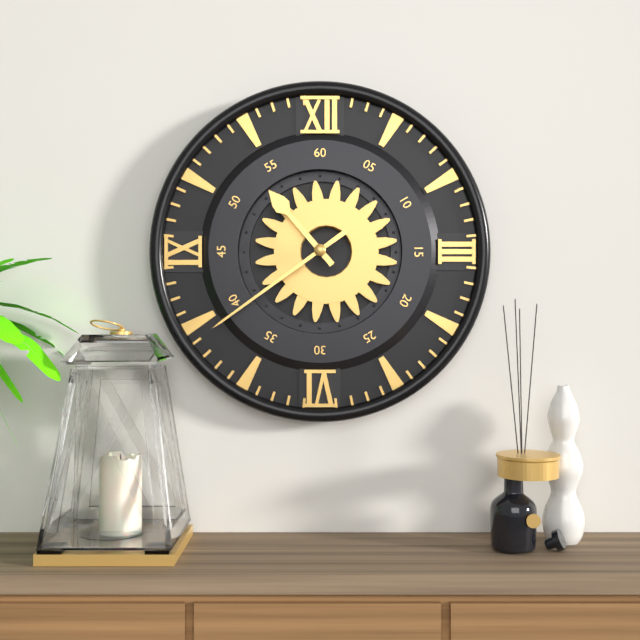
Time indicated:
10 h 39 min
